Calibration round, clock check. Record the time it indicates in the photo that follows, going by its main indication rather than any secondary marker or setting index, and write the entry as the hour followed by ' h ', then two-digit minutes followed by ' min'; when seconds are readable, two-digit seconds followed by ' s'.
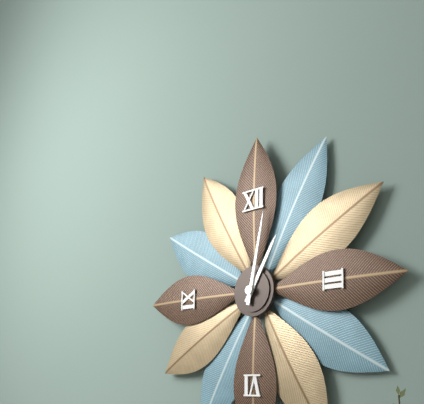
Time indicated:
1 h 02 min
